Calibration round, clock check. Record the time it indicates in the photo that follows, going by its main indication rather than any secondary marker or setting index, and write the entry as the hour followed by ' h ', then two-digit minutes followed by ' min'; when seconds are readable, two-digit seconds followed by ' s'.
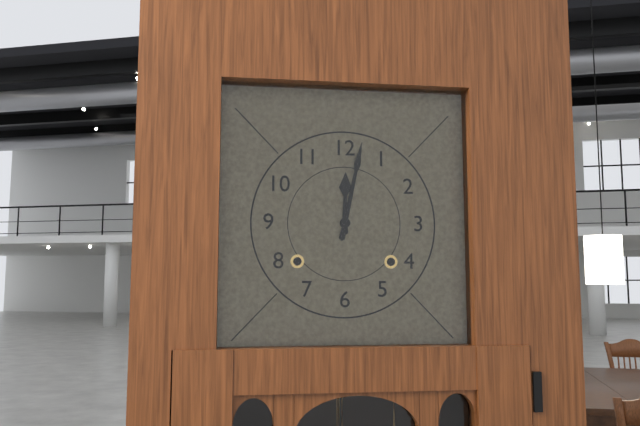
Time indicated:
12 h 02 min
